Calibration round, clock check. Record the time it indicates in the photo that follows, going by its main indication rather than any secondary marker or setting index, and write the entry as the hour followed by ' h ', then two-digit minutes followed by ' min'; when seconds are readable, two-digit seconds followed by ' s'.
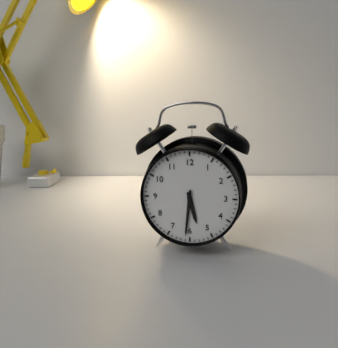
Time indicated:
5 h 31 min
